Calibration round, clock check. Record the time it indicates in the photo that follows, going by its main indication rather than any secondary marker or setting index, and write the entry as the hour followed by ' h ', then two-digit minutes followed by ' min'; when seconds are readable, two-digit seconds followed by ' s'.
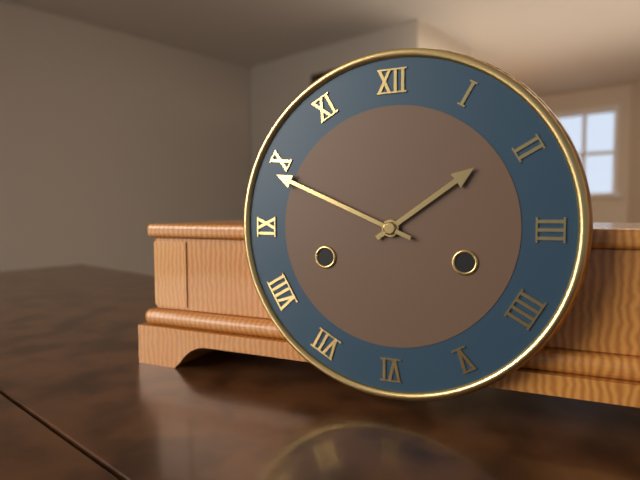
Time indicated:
1 h 49 min
